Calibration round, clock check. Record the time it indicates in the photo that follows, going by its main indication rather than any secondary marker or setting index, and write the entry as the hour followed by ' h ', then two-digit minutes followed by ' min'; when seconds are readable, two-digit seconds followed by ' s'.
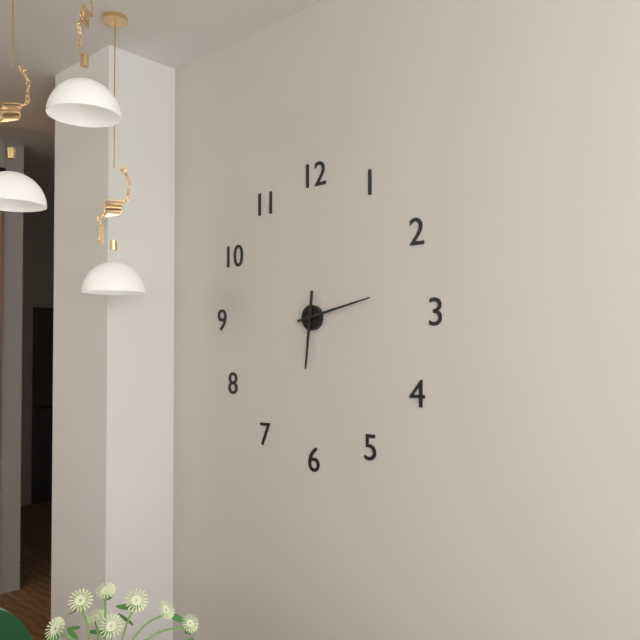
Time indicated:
6 h 13 min
